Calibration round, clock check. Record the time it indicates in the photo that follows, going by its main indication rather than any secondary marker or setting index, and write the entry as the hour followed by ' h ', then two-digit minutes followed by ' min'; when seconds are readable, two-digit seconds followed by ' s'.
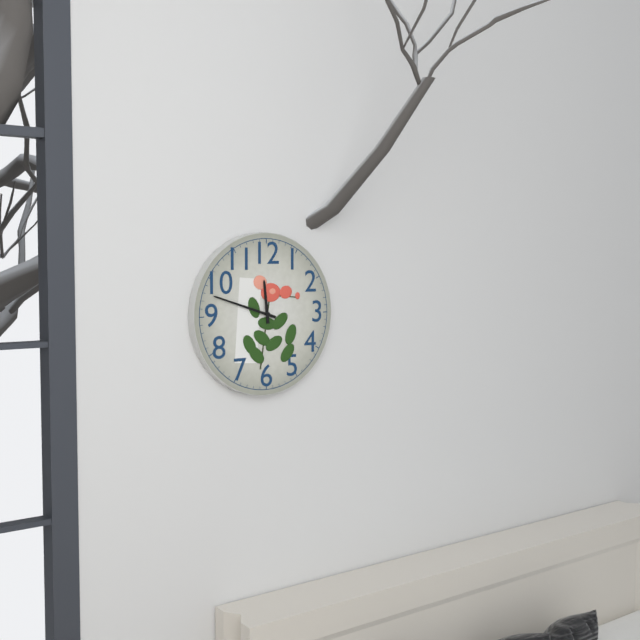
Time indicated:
11 h 48 min
